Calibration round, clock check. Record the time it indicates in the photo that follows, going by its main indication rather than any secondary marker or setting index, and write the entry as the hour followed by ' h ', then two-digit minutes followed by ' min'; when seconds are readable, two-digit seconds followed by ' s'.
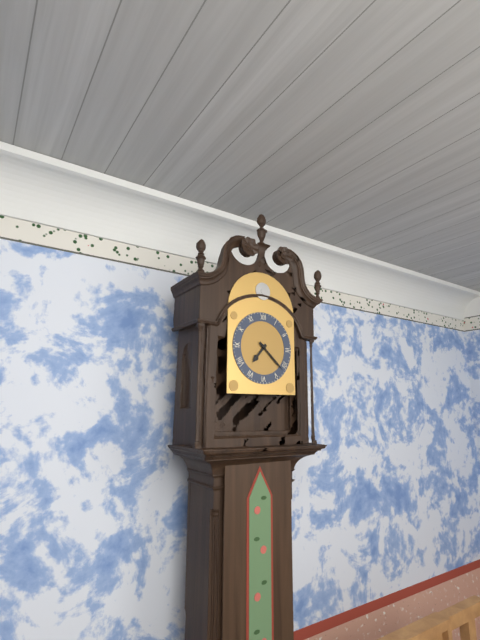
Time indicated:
7 h 22 min
